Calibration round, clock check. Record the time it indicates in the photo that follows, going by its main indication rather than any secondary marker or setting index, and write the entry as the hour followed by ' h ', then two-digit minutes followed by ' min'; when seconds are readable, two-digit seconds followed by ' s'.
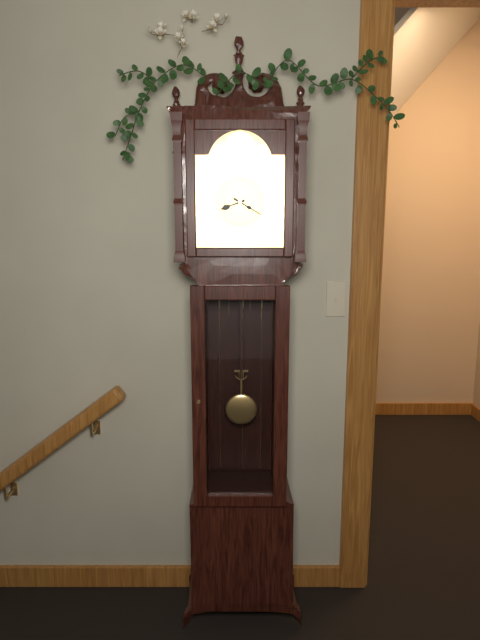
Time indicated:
8 h 20 min
